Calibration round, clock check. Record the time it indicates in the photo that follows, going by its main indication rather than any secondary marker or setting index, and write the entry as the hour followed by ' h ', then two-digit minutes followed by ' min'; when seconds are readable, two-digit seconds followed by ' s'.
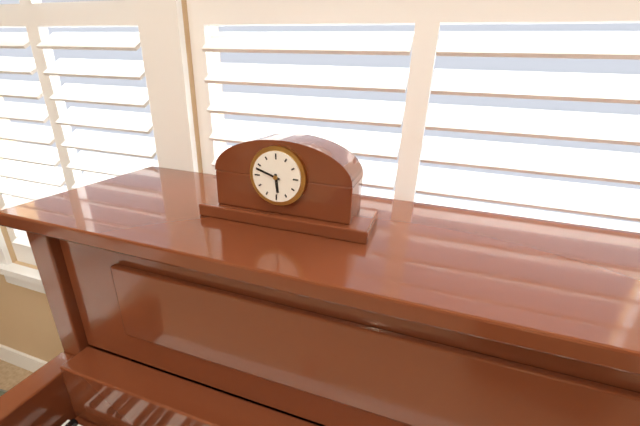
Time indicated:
5 h 48 min
